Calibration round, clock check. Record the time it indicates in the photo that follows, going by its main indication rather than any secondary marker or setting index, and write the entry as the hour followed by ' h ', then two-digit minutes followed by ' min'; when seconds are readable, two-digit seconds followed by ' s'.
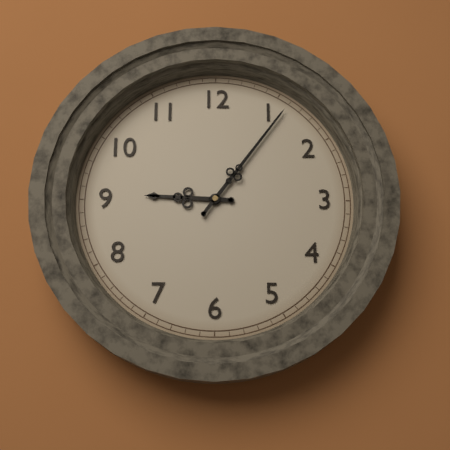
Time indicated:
9 h 06 min
